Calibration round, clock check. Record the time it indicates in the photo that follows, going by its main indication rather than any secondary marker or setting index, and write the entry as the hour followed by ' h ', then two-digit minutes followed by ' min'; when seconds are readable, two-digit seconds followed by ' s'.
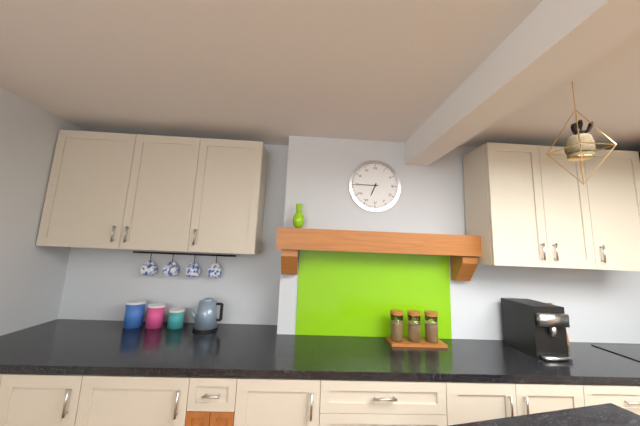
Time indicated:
6 h 45 min
